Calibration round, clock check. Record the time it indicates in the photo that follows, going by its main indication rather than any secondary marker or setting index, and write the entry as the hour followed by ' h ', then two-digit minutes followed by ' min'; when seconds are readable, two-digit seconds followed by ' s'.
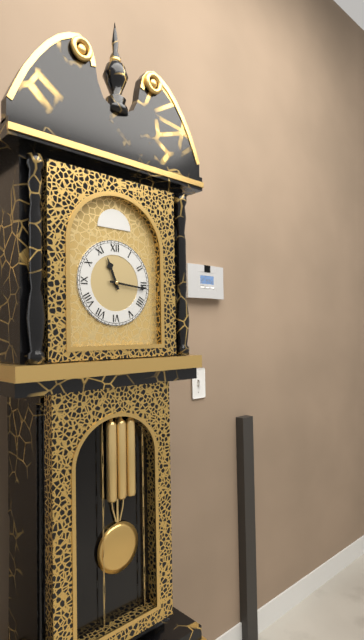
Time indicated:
11 h 16 min
